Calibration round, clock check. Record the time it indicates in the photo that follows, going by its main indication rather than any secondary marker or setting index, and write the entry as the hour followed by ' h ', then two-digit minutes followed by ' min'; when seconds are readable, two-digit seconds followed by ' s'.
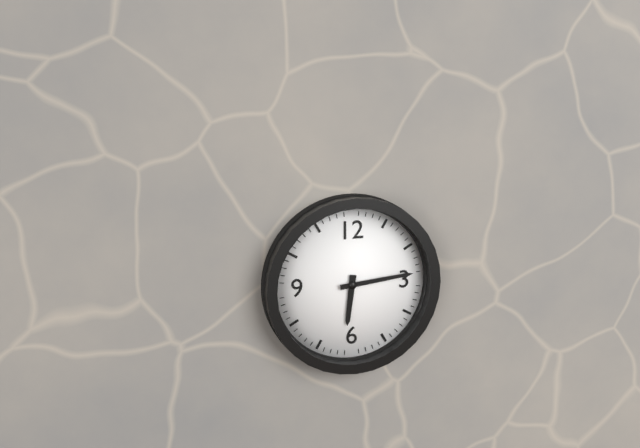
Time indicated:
6 h 14 min
